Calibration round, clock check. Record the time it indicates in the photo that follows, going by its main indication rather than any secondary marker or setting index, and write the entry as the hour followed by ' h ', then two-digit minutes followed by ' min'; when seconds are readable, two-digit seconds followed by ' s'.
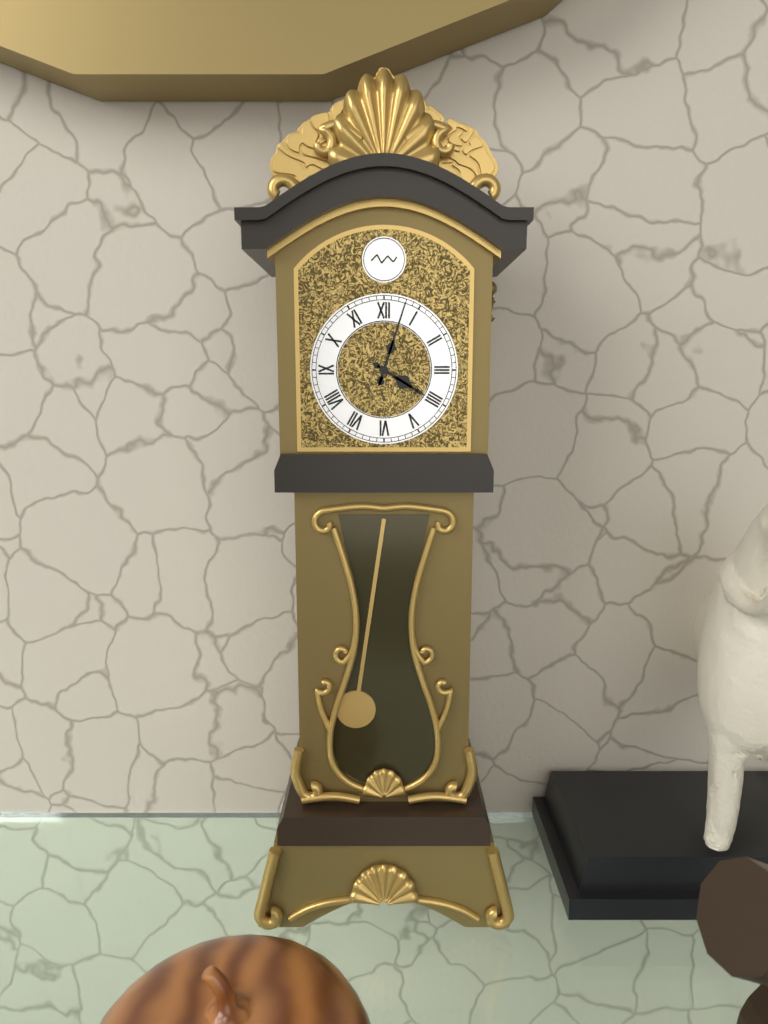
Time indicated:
4 h 03 min
